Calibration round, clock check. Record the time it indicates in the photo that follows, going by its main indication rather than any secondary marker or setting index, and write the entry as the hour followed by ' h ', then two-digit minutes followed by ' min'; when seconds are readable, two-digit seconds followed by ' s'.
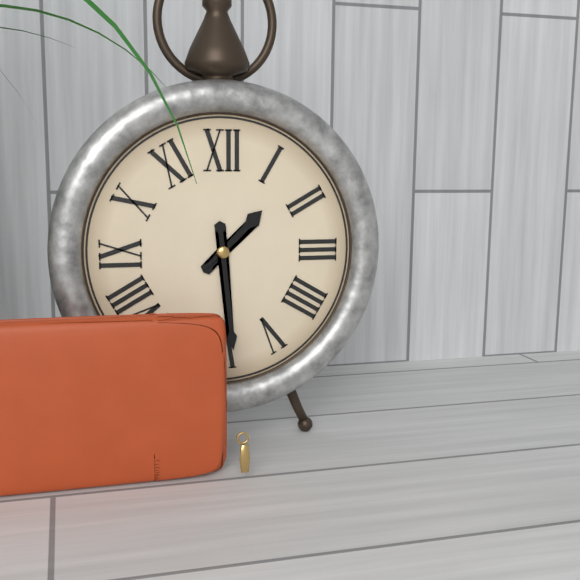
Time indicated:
1 h 29 min
